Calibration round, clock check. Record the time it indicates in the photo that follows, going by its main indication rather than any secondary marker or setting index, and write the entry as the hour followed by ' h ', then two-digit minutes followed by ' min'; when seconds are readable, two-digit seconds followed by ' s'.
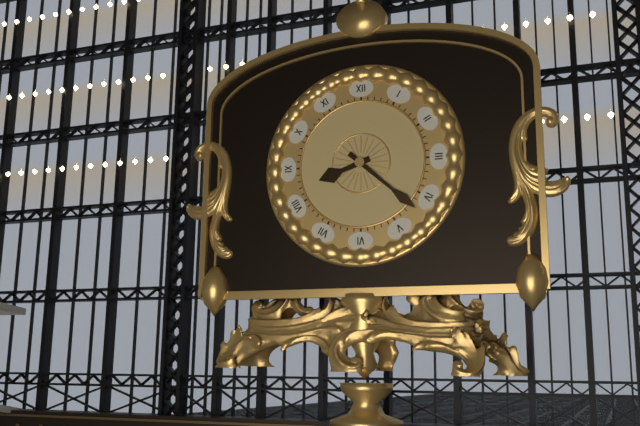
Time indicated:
8 h 22 min
